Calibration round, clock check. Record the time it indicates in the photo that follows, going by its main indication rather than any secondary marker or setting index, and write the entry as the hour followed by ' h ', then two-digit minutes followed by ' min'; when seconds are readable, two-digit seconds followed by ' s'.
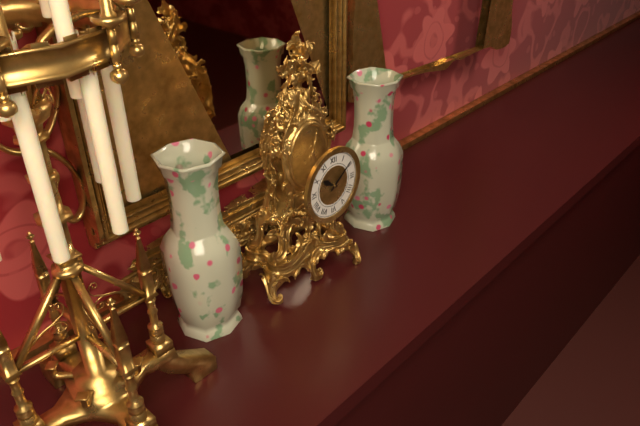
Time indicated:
10 h 09 min
